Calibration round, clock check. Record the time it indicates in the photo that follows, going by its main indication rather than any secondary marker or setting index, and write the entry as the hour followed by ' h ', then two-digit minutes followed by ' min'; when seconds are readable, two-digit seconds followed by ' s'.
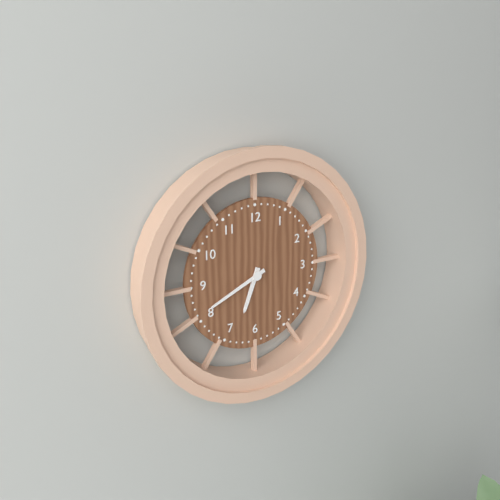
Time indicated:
6 h 41 min
